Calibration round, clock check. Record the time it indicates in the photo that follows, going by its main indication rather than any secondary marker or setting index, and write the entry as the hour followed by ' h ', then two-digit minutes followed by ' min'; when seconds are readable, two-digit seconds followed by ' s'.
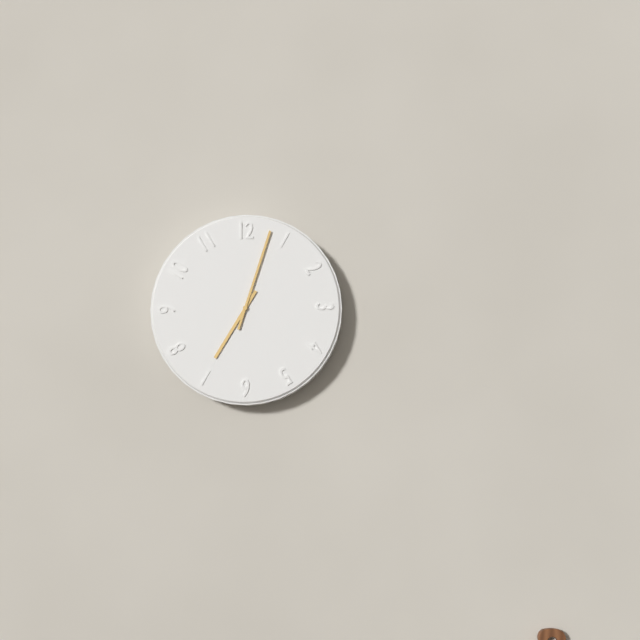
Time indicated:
7 h 03 min
